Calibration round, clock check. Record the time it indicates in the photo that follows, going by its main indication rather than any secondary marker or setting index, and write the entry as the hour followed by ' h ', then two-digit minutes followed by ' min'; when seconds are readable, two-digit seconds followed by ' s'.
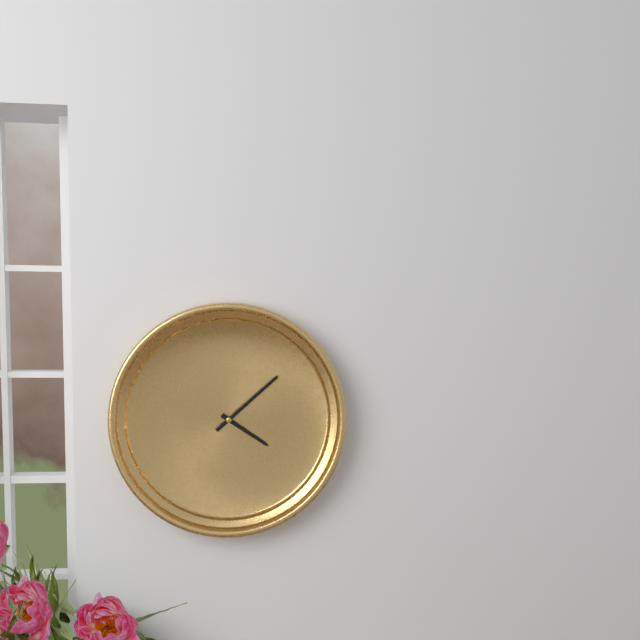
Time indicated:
4 h 08 min
